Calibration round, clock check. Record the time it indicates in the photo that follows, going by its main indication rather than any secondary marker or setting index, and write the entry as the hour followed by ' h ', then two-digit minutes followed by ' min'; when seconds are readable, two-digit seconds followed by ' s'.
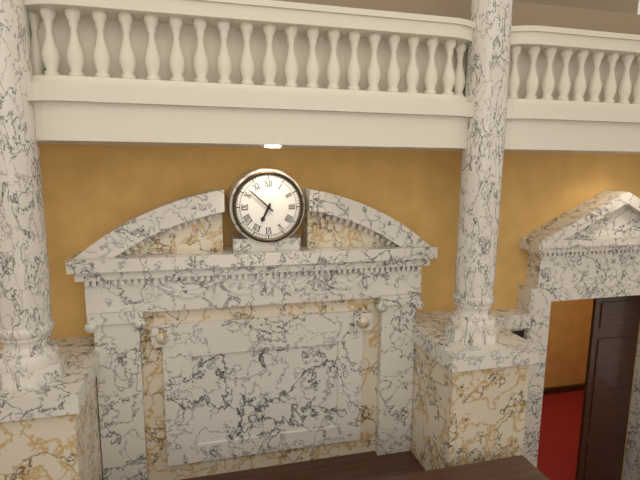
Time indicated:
6 h 52 min
